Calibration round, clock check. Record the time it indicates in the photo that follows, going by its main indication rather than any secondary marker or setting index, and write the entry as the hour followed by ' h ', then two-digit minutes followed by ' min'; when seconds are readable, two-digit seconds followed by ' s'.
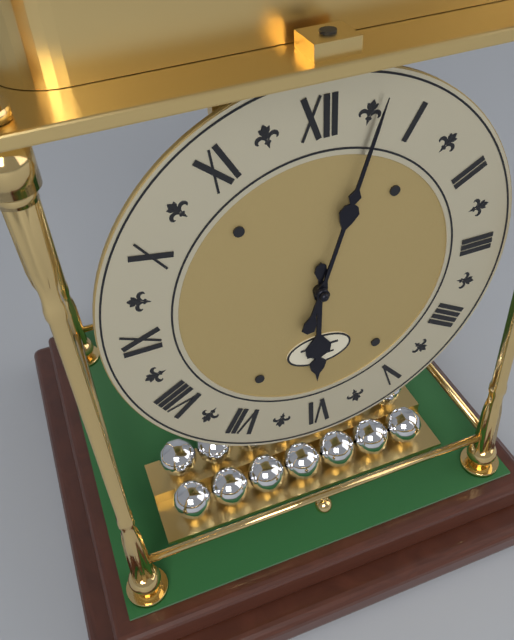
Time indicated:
6 h 03 min
